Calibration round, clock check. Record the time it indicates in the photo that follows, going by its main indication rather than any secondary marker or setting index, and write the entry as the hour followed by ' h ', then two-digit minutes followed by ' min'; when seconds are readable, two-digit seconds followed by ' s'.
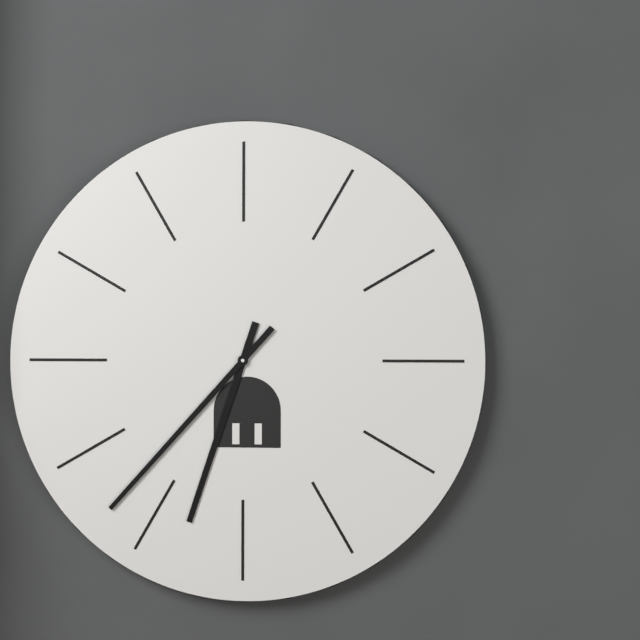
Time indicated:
6 h 37 min
